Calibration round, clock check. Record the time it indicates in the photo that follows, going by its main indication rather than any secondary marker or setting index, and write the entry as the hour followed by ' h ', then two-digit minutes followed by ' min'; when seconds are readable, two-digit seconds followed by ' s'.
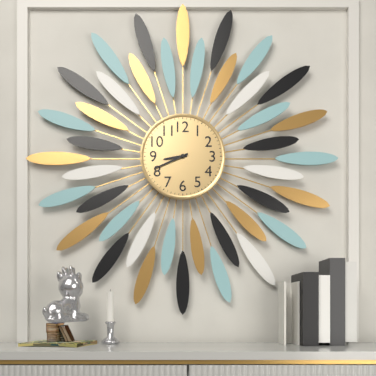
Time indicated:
8 h 41 min
